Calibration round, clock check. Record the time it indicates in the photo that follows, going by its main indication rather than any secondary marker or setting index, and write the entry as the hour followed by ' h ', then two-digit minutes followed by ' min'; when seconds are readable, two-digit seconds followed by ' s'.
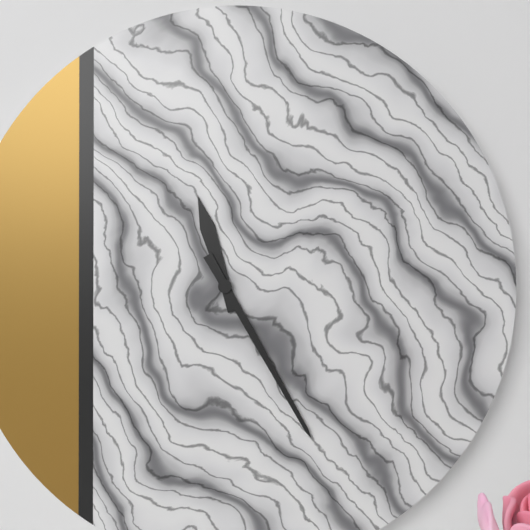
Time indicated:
11 h 25 min
